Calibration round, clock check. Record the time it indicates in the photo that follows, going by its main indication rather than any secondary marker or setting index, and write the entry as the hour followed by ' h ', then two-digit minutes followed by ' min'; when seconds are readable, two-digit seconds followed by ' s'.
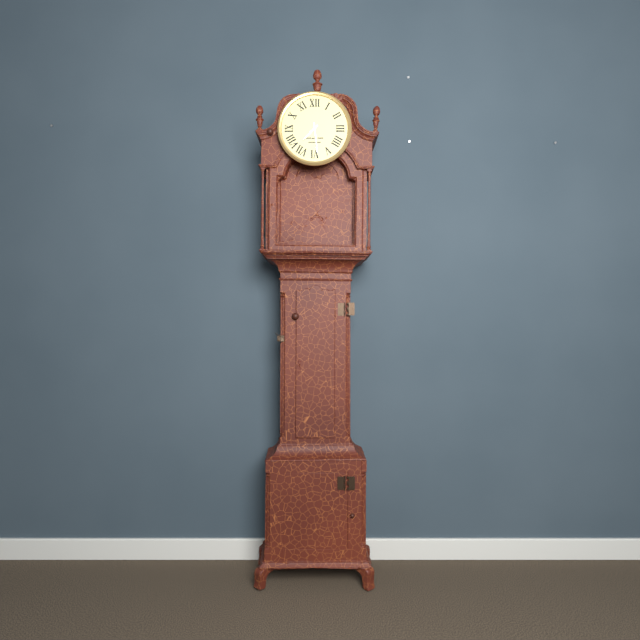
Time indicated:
7 h 29 min
